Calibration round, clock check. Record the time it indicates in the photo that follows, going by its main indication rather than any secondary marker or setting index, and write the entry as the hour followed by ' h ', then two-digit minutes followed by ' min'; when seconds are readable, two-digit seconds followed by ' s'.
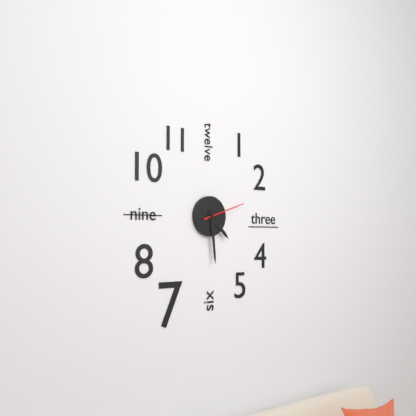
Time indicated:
4 h 29 min
